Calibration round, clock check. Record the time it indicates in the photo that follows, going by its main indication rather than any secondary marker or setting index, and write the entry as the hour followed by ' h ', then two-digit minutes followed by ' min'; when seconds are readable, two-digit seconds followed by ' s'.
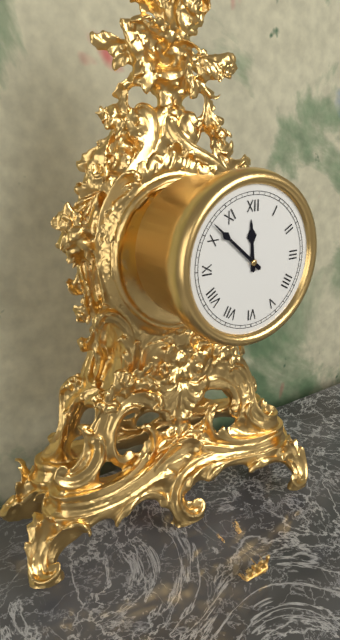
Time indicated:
11 h 52 min
